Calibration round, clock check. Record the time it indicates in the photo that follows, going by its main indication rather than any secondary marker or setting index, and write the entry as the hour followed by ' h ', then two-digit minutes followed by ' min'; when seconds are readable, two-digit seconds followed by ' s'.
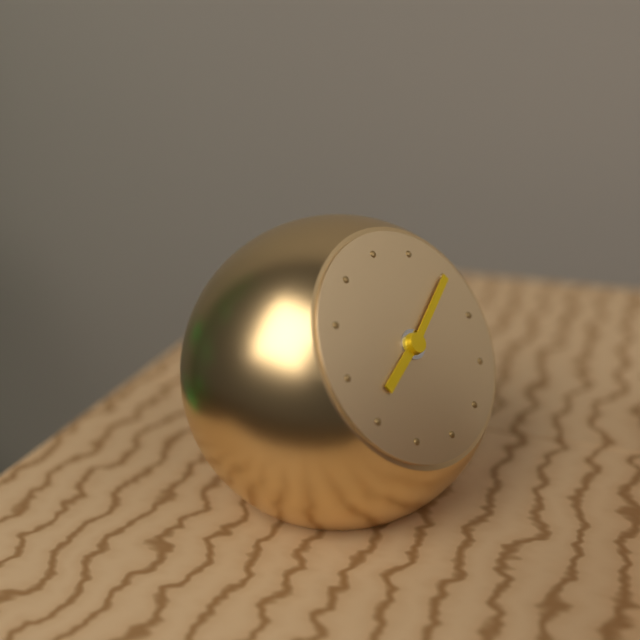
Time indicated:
8 h 10 min
